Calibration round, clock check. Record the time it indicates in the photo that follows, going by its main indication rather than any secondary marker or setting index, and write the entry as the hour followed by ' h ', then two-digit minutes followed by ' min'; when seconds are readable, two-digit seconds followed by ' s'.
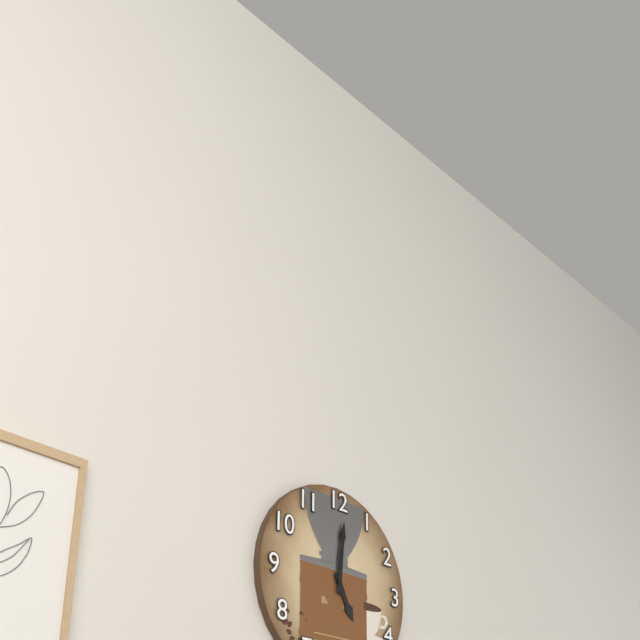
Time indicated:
5 h 01 min
